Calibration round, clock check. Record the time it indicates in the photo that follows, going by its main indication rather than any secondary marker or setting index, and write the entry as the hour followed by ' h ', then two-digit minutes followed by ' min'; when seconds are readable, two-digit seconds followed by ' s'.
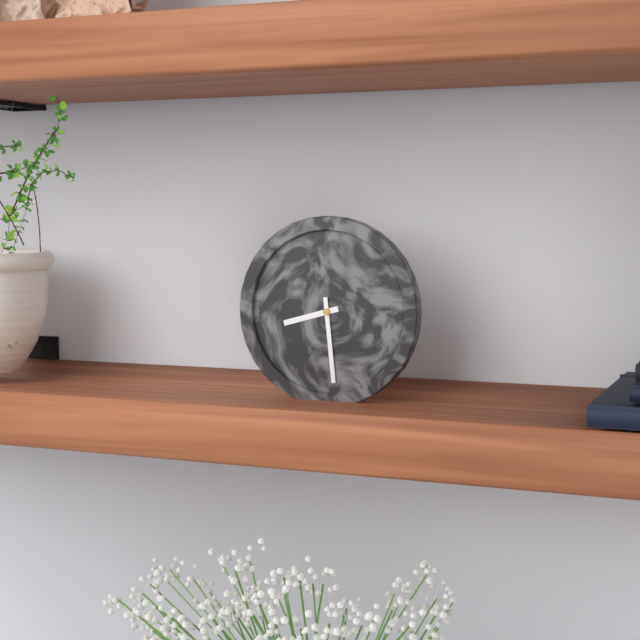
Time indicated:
8 h 29 min
